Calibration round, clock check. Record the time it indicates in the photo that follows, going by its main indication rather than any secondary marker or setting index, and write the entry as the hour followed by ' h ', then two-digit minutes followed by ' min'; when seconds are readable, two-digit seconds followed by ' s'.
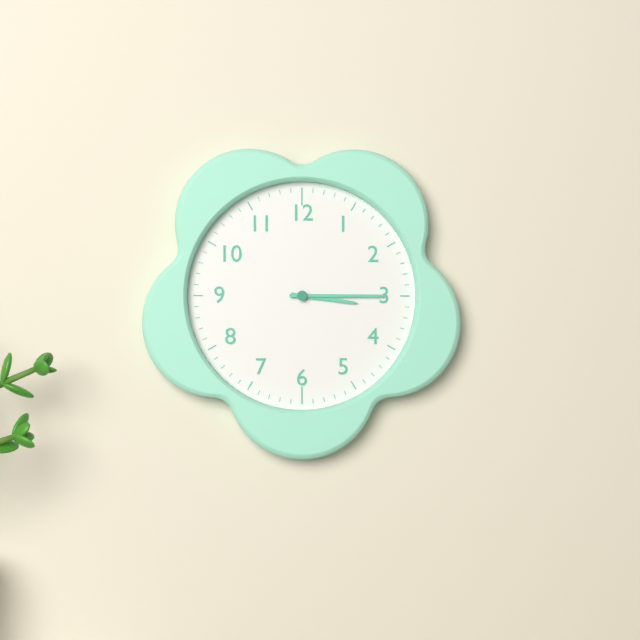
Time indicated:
3 h 15 min
